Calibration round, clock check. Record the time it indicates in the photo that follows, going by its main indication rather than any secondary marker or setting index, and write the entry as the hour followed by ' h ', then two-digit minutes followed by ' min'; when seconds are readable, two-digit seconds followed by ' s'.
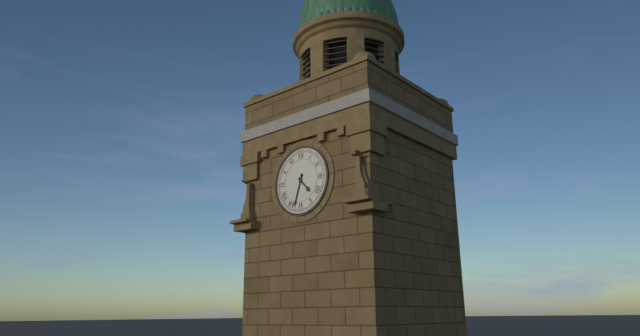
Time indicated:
4 h 33 min
